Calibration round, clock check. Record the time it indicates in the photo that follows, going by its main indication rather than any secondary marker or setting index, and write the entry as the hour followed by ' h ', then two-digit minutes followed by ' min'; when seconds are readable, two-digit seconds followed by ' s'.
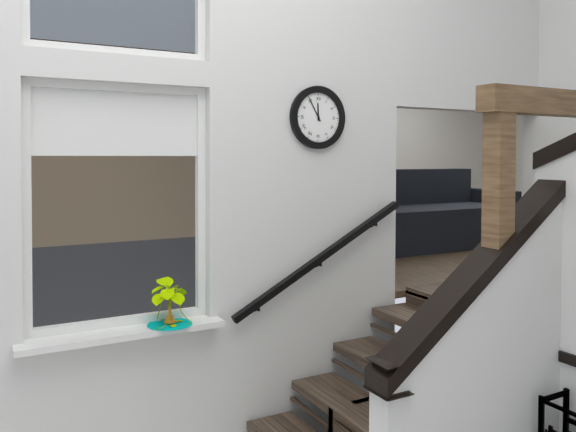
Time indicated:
11 h 55 min
